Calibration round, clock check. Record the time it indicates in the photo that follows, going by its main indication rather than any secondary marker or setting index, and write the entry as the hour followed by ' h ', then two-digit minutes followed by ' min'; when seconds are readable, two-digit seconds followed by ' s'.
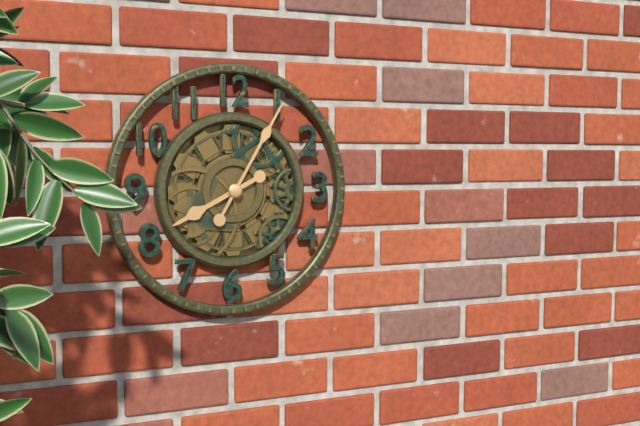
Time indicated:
8 h 05 min
